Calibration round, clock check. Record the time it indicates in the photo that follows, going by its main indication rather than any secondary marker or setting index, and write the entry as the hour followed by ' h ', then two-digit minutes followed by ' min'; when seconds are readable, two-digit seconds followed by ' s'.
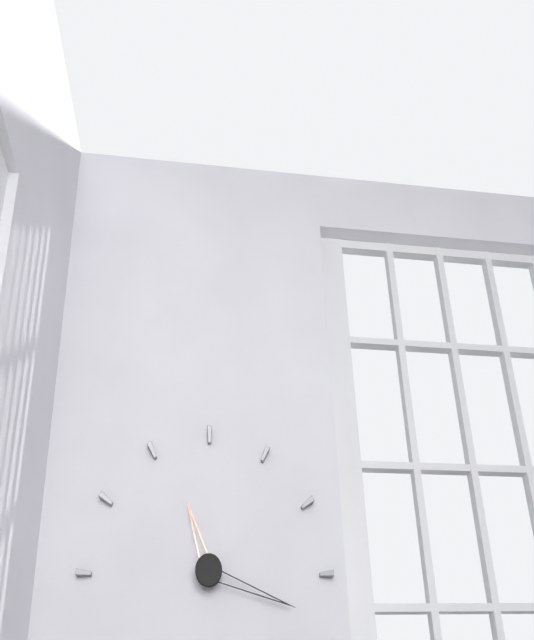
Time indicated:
11 h 18 min
